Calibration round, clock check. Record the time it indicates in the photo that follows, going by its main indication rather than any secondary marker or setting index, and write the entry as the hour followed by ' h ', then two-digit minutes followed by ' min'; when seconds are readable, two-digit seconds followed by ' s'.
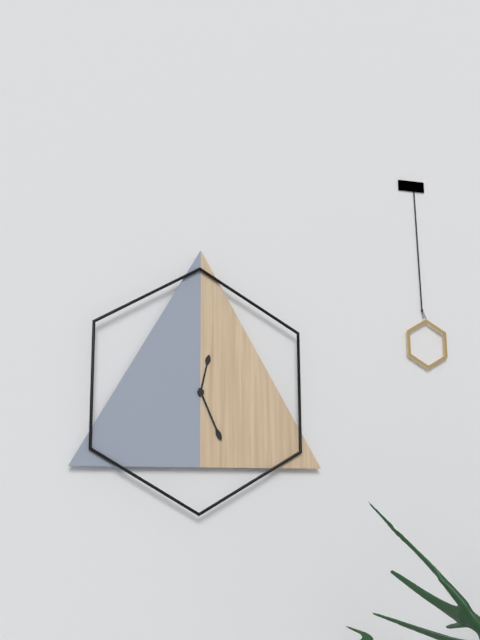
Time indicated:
12 h 26 min
